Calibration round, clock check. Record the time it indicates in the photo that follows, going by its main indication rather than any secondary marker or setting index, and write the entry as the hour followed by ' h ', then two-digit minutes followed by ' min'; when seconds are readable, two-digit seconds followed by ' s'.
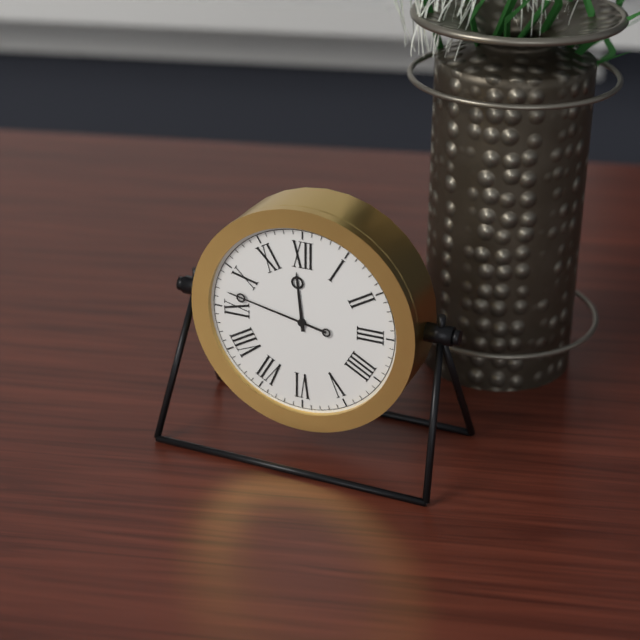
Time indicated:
11 h 47 min
